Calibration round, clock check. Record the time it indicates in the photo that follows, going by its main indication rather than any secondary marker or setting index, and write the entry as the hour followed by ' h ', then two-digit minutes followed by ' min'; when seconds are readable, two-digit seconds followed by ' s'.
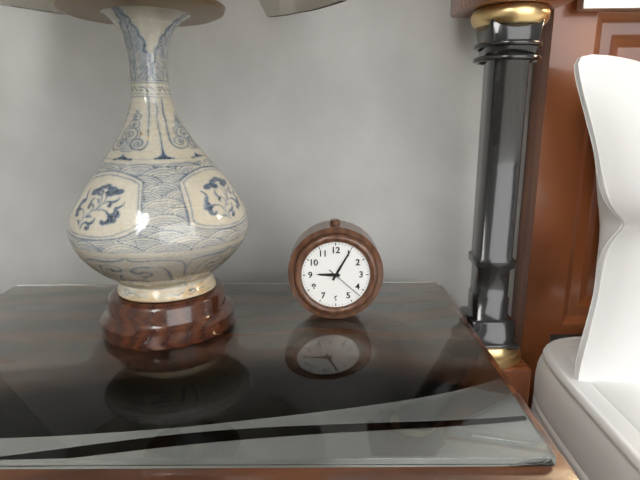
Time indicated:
9 h 05 min
